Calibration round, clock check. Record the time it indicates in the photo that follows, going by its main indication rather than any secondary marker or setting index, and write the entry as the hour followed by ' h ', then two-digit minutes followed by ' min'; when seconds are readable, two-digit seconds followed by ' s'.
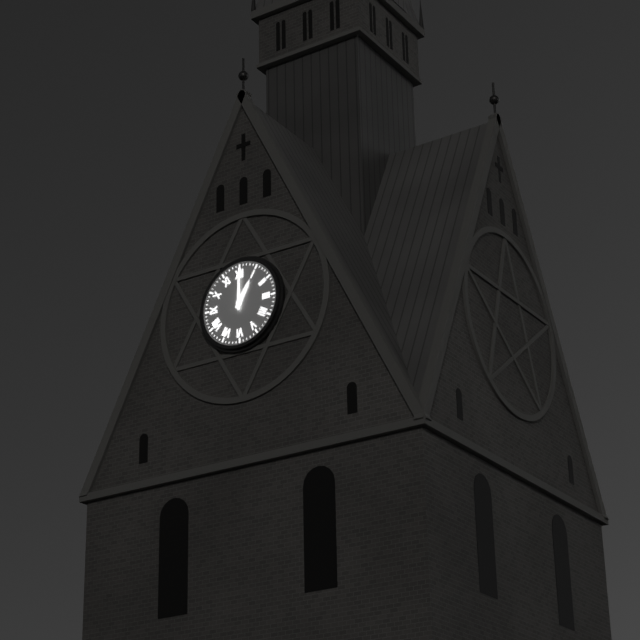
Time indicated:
1 h 00 min
